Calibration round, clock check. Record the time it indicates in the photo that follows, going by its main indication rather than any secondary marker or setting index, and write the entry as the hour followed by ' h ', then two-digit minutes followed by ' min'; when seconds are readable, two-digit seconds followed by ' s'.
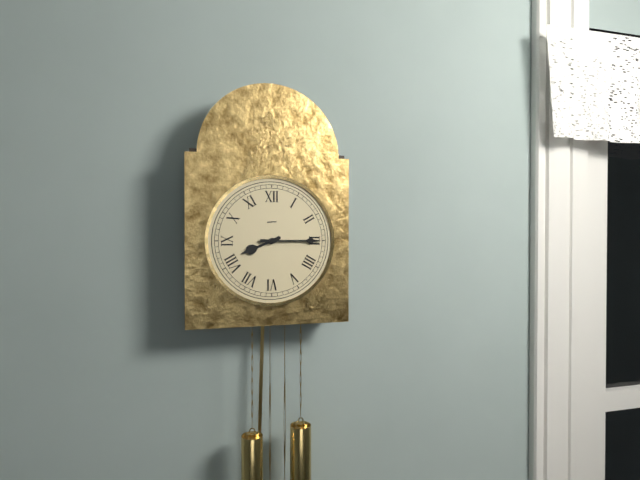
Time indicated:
8 h 15 min
